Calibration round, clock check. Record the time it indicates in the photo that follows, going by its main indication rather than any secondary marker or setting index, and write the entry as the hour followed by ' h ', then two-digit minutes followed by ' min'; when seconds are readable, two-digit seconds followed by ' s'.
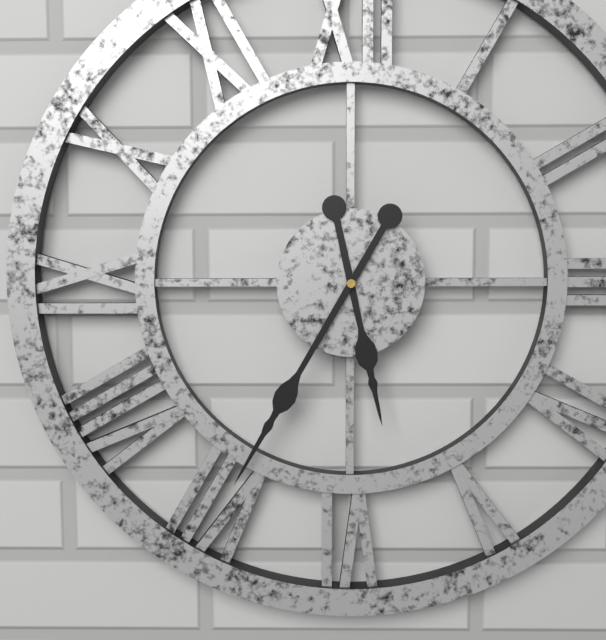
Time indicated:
5 h 35 min
